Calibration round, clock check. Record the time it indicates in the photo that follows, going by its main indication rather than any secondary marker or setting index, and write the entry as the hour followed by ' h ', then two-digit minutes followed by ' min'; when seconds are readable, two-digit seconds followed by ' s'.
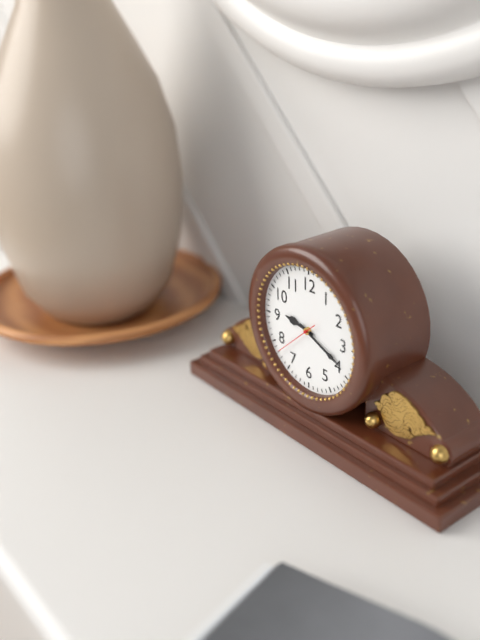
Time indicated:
9 h 19 min
